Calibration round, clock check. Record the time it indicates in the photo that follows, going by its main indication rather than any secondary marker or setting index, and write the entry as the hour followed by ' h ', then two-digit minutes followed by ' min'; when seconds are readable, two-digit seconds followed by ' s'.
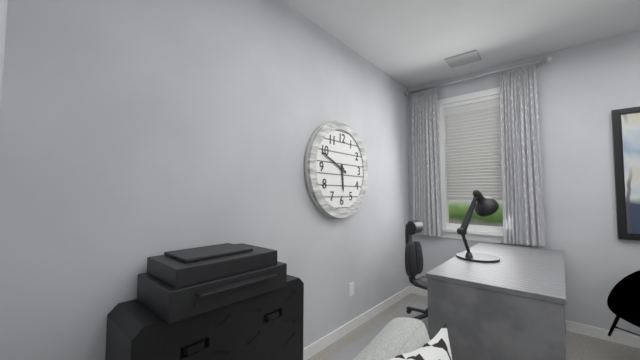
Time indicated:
5 h 49 min
